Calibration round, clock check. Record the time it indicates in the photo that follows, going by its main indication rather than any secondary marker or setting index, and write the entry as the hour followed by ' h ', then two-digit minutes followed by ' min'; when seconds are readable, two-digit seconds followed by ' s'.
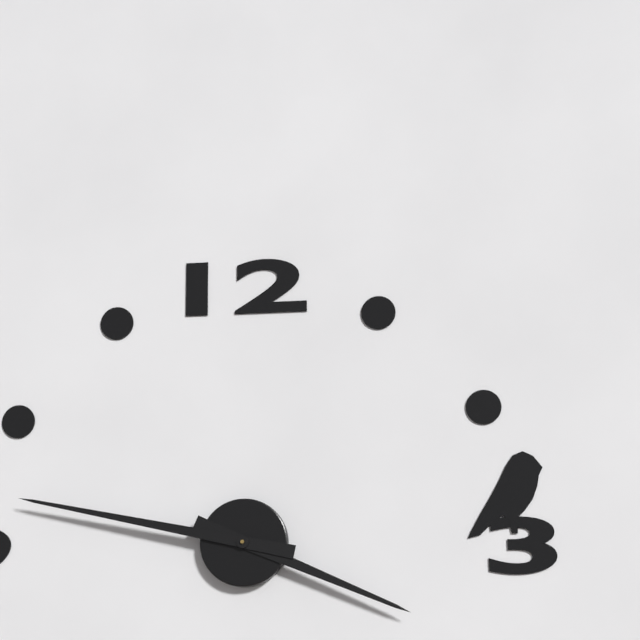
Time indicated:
3 h 47 min
